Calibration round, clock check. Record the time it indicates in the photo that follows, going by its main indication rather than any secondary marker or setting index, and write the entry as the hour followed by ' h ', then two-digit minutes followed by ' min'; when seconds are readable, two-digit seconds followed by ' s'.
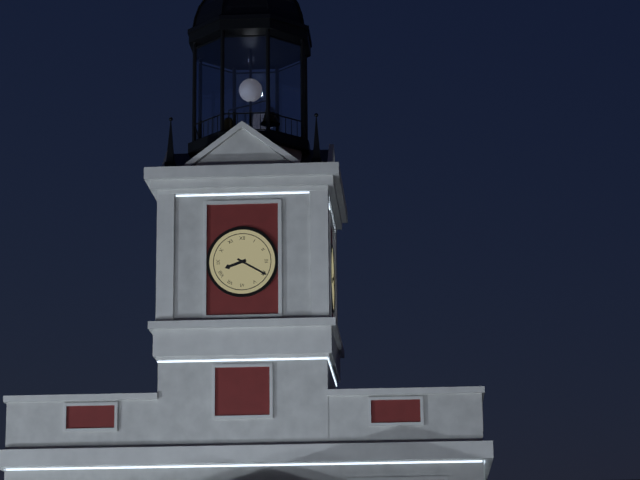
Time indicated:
8 h 20 min
